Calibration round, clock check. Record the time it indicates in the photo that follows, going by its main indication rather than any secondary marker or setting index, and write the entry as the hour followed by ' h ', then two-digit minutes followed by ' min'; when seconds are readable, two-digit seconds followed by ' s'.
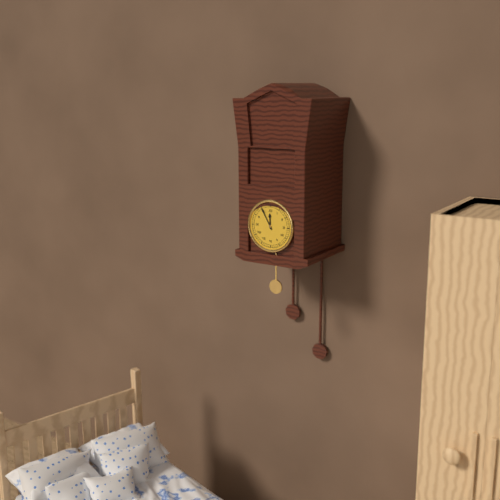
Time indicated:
11 h 55 min
